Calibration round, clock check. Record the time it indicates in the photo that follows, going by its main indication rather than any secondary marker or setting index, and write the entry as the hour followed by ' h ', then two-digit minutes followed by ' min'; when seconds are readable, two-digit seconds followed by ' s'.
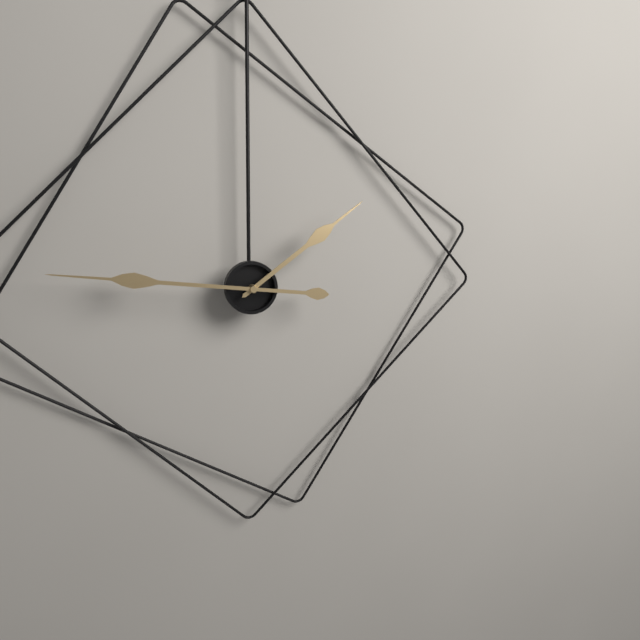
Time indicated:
1 h 46 min
